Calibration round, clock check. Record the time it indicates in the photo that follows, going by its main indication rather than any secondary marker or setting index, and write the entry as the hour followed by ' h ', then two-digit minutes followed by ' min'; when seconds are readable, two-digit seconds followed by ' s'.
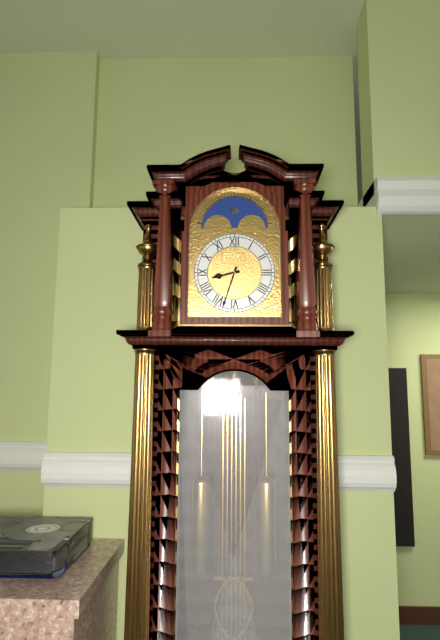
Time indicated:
8 h 33 min
